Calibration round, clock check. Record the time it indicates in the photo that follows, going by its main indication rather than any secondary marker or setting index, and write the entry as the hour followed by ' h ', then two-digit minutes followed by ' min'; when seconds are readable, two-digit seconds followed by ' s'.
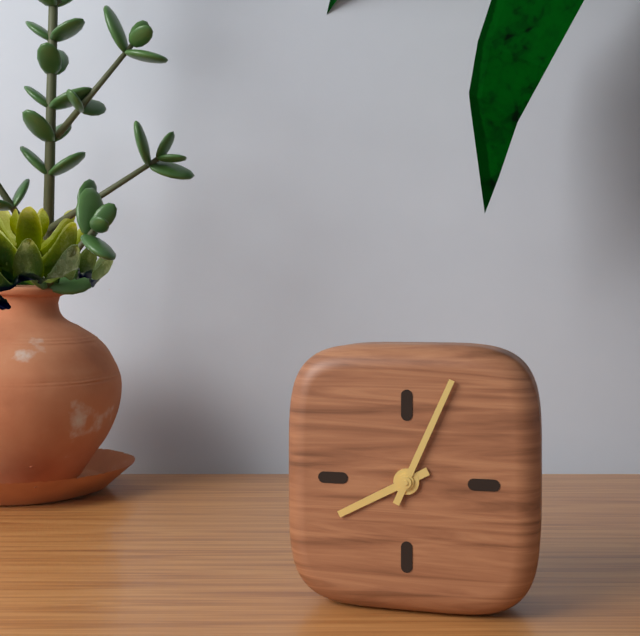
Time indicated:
8 h 04 min
